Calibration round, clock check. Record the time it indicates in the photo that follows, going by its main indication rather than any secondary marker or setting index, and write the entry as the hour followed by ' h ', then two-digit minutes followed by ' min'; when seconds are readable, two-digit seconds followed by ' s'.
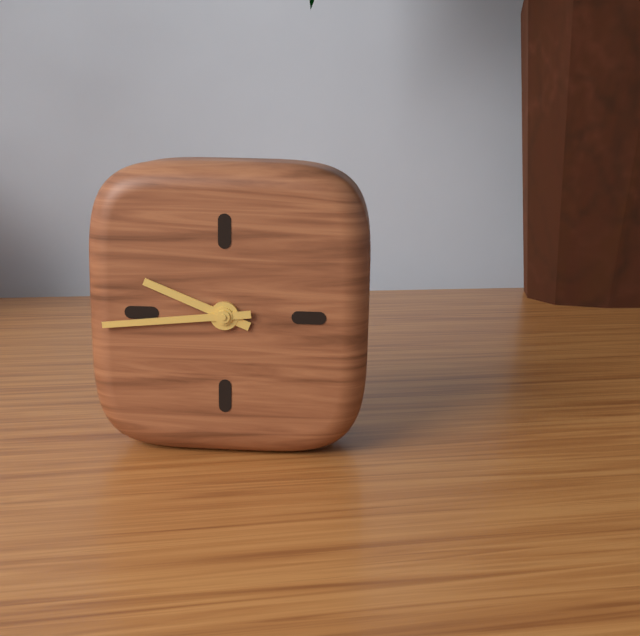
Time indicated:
9 h 44 min
